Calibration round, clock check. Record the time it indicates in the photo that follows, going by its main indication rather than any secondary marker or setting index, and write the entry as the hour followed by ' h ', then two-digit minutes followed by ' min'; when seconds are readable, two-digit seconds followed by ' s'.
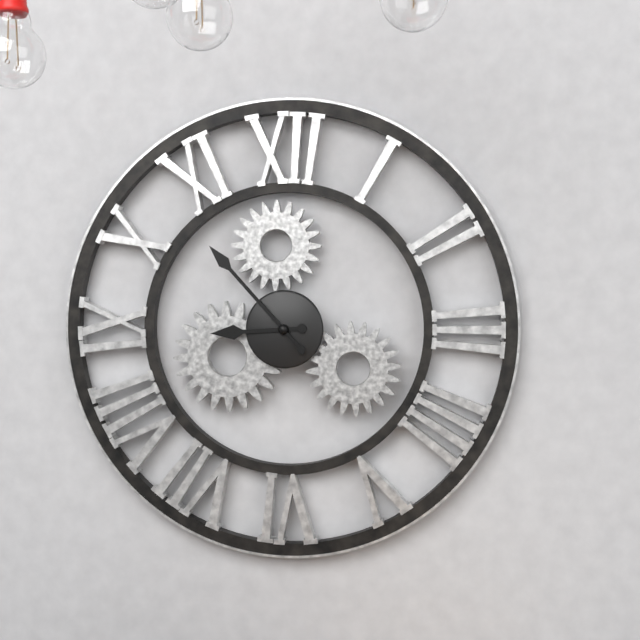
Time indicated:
8 h 53 min
